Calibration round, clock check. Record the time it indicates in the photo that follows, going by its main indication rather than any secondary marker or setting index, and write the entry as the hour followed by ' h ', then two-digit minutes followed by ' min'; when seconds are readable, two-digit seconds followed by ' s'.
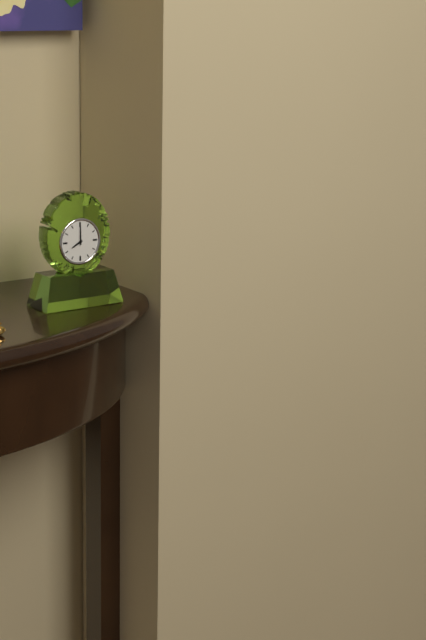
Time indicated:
8 h 00 min
